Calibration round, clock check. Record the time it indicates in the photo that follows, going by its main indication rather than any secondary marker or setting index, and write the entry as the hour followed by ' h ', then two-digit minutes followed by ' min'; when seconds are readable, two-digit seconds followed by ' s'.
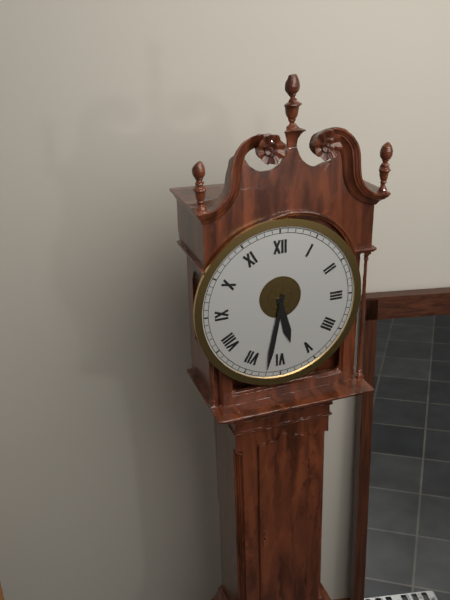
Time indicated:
5 h 32 min
